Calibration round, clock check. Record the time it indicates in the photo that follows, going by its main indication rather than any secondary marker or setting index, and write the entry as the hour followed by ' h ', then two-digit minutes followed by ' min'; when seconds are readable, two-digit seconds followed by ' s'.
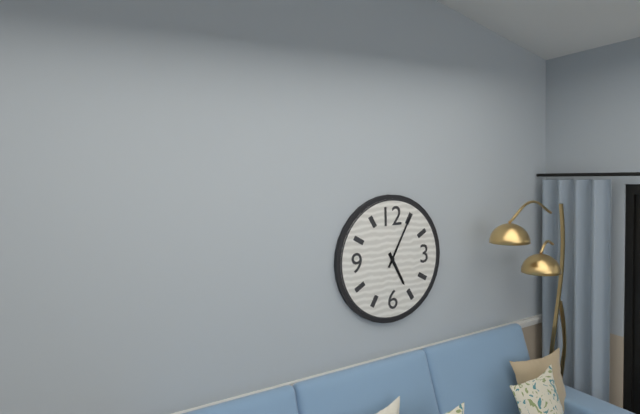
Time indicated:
5 h 05 min
